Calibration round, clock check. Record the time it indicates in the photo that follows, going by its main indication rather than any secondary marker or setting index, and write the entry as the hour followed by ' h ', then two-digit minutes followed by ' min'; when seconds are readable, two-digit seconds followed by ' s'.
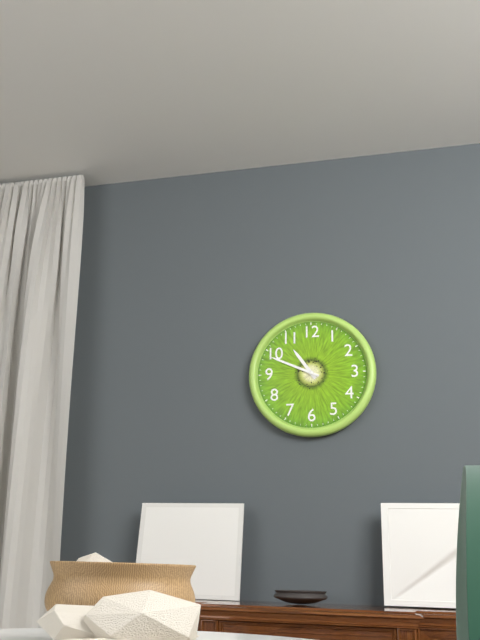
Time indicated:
10 h 49 min
